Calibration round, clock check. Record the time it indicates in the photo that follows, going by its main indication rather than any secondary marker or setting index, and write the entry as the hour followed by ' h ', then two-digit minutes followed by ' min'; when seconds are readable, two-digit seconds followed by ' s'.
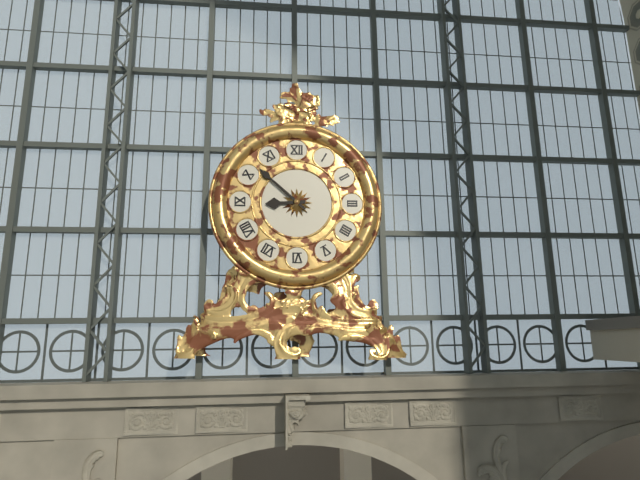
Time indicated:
8 h 52 min
